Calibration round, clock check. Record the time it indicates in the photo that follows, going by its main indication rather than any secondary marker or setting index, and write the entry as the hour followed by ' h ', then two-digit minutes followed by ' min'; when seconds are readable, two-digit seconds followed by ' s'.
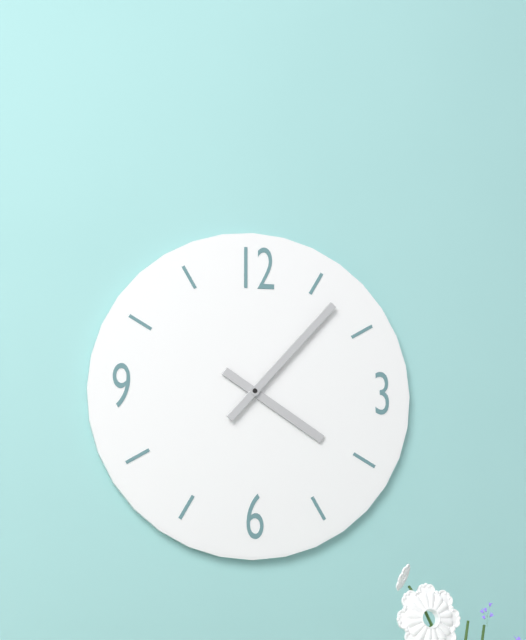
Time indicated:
4 h 07 min
